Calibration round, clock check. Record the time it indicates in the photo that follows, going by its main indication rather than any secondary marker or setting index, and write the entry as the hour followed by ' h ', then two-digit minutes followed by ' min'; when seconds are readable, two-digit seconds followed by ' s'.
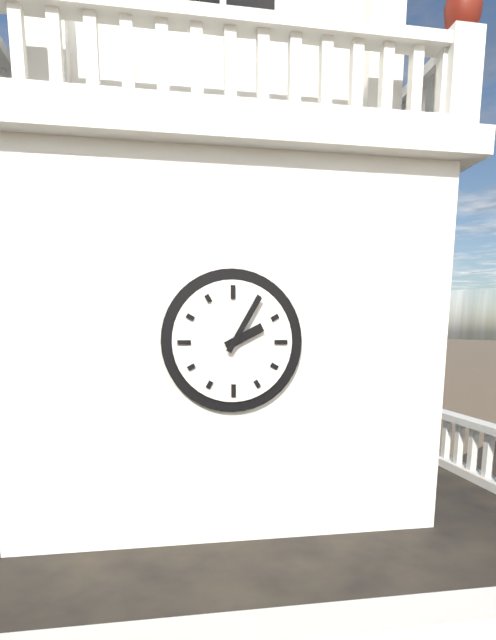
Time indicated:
2 h 05 min
